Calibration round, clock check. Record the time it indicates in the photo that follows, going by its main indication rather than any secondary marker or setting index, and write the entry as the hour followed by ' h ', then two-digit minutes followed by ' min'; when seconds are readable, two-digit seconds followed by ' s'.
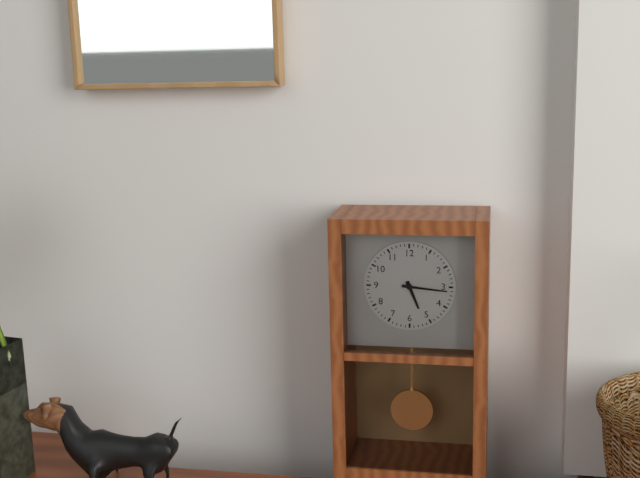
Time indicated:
5 h 16 min
